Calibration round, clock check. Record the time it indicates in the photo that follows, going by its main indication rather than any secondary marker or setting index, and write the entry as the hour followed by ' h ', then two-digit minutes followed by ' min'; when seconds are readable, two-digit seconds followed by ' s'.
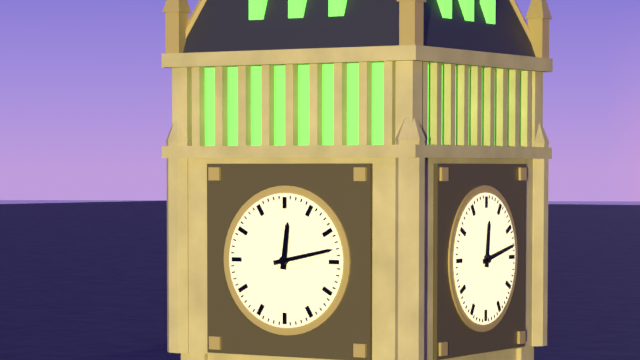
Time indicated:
12 h 13 min
